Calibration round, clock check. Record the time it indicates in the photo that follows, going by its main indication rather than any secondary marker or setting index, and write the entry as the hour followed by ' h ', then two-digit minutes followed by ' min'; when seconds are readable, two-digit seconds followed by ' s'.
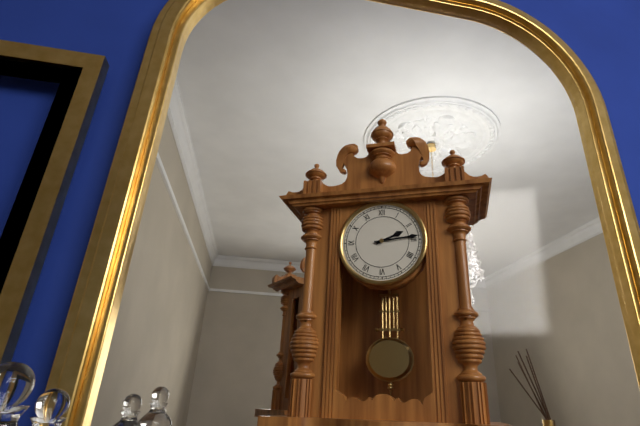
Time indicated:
2 h 14 min
